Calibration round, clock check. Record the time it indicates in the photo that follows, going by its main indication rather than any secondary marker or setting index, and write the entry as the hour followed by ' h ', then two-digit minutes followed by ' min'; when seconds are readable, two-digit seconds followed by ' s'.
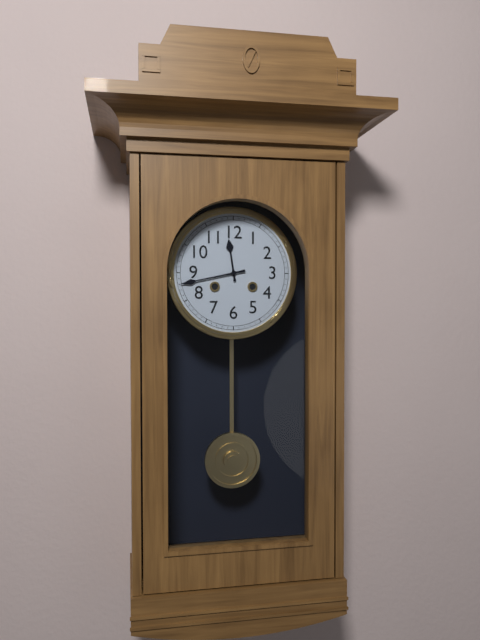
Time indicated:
11 h 43 min
